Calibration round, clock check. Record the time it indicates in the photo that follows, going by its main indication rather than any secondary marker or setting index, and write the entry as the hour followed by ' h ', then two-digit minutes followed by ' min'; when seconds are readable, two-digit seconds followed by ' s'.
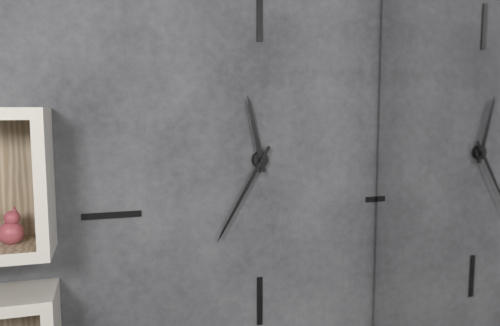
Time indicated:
11 h 35 min
